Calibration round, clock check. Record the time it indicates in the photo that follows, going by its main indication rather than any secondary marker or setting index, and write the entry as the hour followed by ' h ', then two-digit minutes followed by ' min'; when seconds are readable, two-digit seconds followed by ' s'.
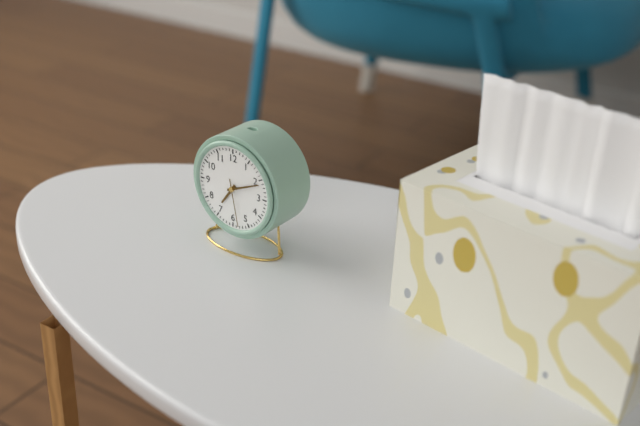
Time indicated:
7 h 11 min
